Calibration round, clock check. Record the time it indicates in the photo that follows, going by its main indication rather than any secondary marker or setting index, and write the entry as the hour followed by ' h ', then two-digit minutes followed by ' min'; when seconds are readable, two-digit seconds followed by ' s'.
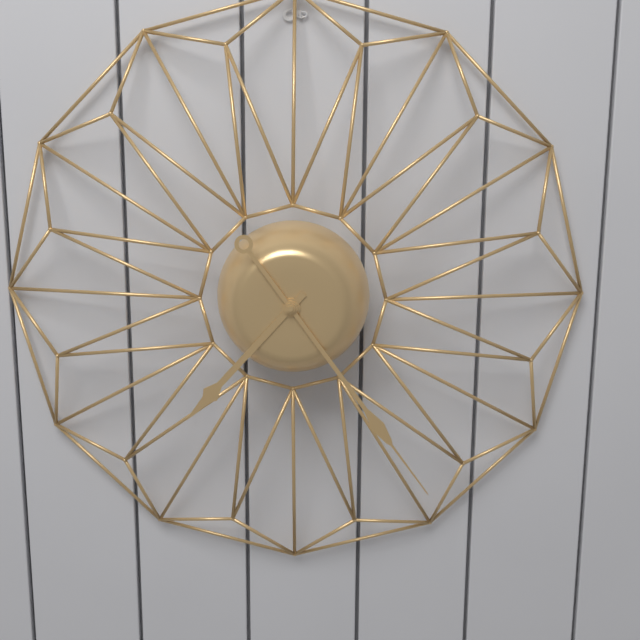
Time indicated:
7 h 24 min
